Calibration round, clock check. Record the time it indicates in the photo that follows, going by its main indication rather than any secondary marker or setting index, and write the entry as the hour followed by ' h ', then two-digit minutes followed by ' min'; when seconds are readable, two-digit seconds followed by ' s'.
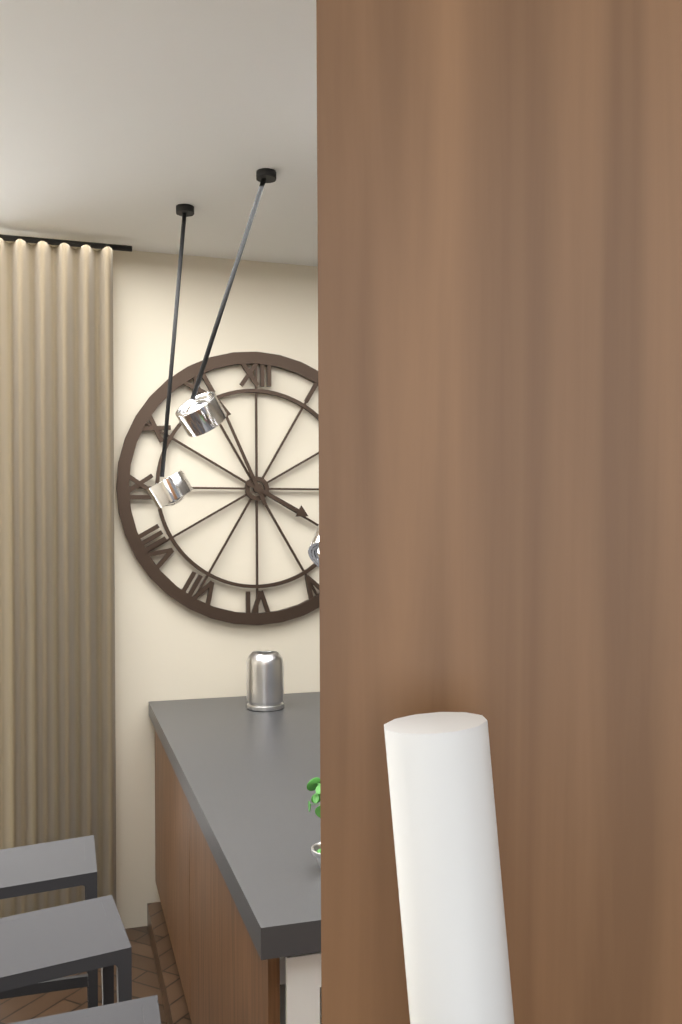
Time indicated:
3 h 56 min
